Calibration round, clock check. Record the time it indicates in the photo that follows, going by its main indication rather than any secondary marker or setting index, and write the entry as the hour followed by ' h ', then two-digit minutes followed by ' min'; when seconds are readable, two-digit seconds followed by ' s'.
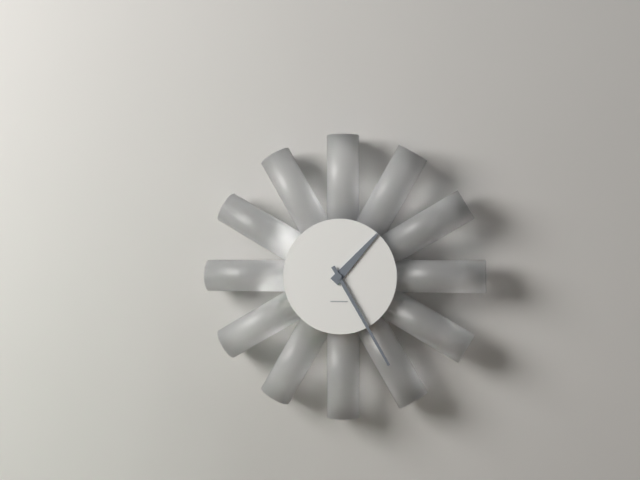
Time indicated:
1 h 25 min
